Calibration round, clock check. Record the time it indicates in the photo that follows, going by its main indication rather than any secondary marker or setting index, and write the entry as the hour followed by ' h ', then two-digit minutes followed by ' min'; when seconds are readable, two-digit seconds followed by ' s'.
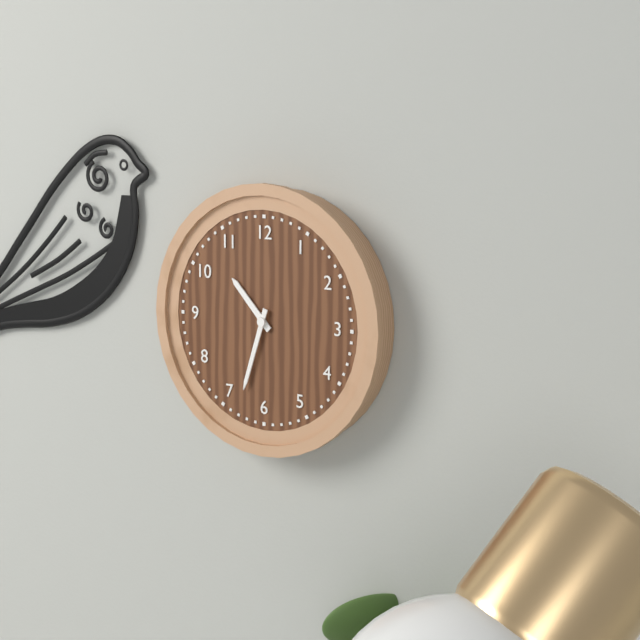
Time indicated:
10 h 33 min
